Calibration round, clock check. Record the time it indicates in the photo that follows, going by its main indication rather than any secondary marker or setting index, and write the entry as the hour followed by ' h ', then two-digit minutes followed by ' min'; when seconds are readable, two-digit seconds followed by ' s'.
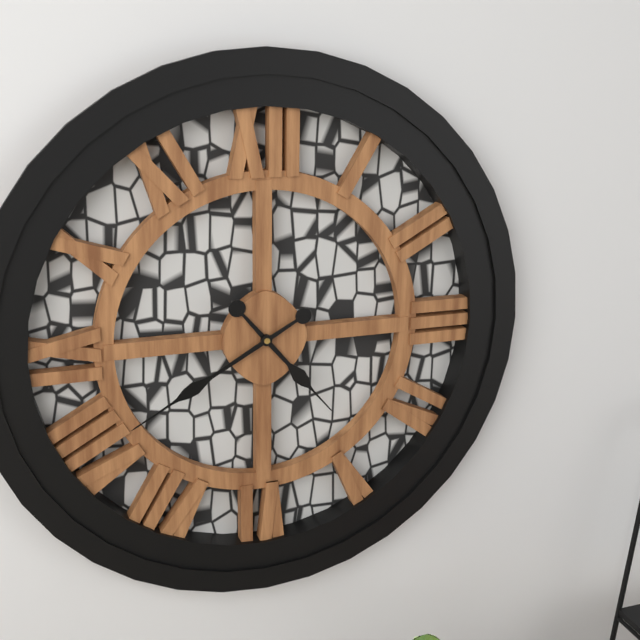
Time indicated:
4 h 40 min
